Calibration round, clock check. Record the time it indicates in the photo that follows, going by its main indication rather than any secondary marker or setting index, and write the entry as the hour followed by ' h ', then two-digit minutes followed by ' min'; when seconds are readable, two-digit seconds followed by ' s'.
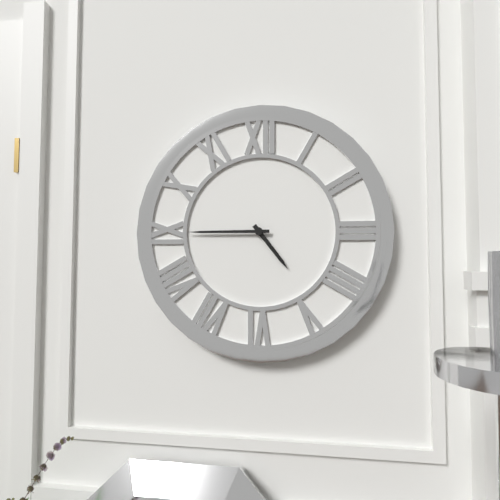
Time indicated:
4 h 45 min
